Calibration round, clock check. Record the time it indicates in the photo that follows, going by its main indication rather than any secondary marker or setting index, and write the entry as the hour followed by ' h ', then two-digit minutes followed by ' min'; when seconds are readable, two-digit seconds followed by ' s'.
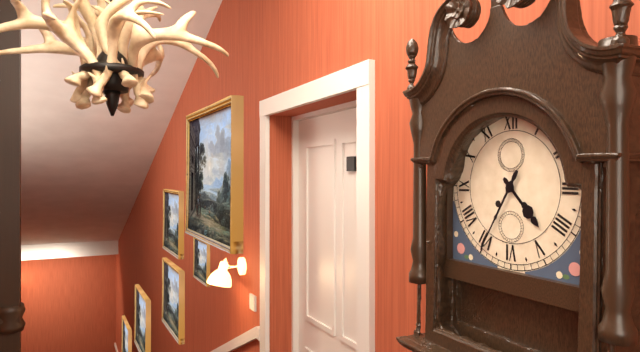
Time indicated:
4 h 35 min
